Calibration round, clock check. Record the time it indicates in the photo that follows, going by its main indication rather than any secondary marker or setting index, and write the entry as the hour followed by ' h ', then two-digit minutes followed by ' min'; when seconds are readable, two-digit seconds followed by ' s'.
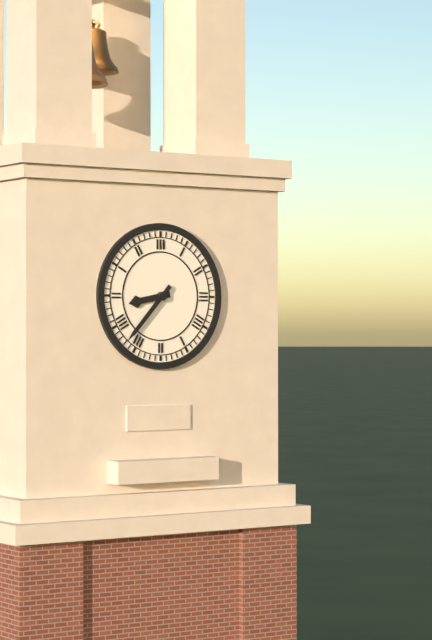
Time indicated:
8 h 37 min
